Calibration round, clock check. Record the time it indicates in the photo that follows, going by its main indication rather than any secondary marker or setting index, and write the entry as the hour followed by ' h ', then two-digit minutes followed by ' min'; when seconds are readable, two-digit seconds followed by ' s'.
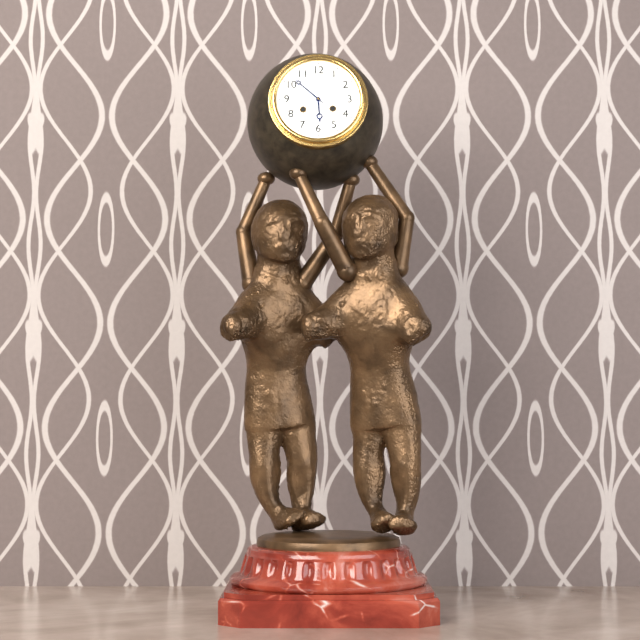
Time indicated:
5 h 52 min
